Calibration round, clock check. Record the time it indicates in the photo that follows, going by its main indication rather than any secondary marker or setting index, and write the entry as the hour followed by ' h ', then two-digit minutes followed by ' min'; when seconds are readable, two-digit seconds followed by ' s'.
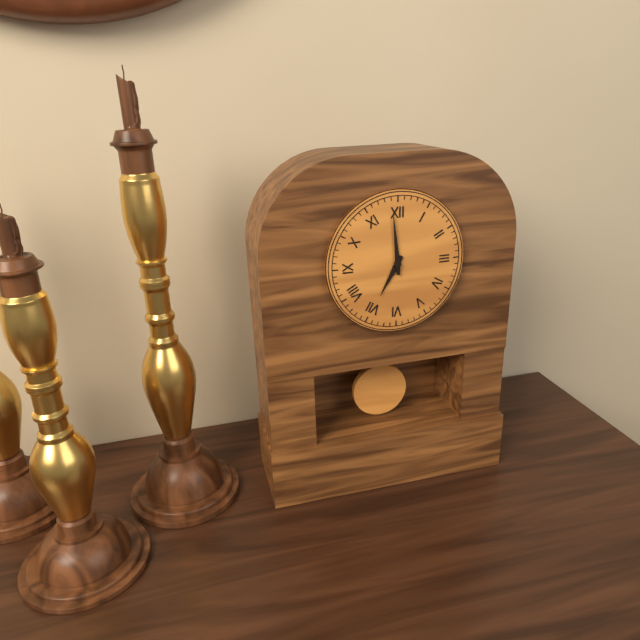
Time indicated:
6 h 59 min
